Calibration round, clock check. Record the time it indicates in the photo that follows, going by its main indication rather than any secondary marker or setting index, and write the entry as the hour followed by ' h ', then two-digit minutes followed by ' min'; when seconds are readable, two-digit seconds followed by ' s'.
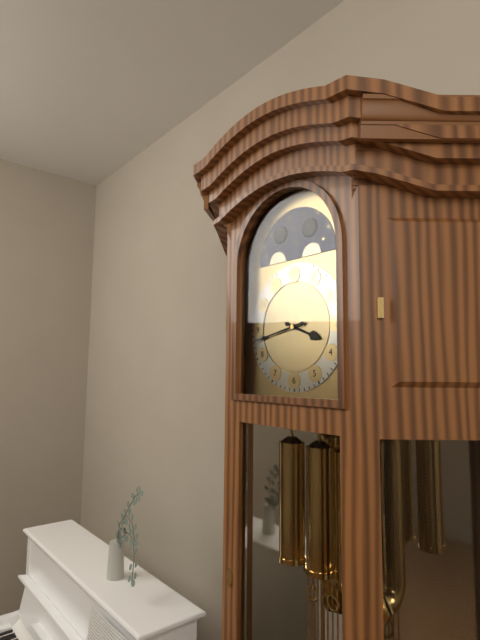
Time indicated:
3 h 43 min
